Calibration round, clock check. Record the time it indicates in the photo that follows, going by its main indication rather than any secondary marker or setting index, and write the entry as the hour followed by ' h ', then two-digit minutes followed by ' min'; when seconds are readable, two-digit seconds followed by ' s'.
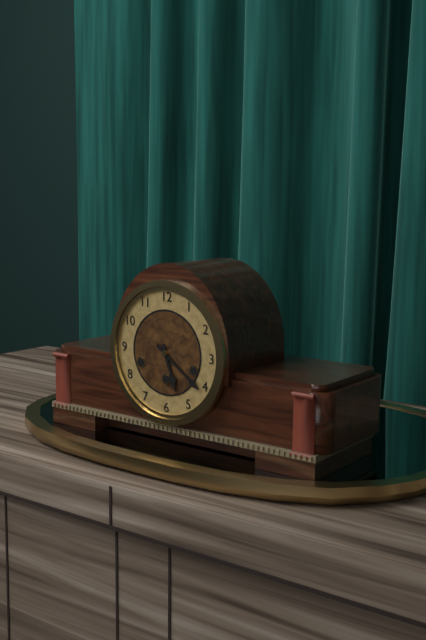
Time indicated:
5 h 21 min
